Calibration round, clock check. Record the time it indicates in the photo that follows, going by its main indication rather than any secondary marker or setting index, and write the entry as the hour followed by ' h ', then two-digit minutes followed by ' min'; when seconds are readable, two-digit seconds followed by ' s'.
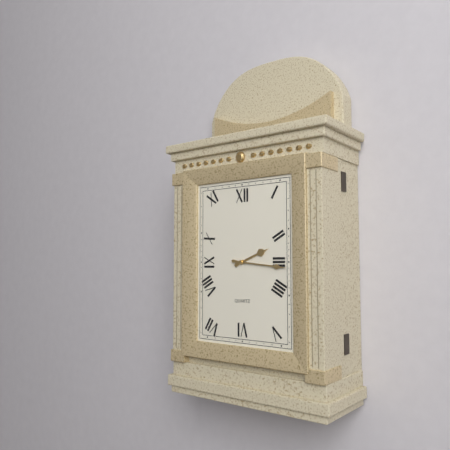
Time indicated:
2 h 16 min
